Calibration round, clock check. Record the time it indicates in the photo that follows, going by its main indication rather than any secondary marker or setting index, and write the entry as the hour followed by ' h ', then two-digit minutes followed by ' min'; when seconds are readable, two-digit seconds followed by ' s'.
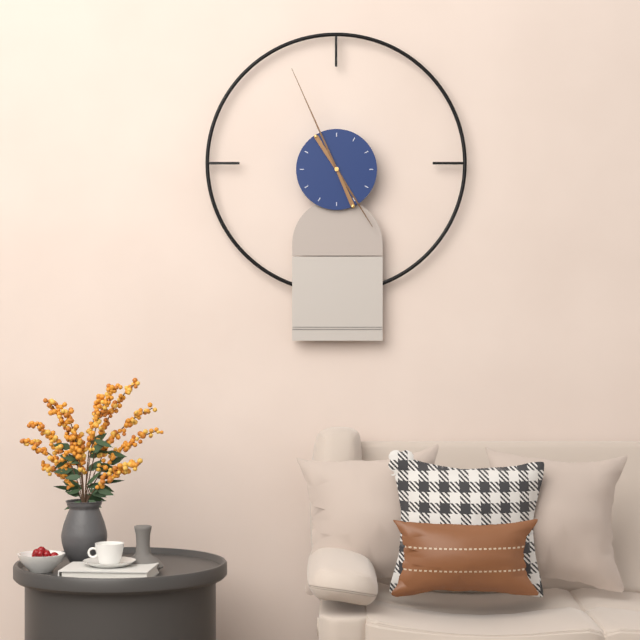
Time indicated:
4 h 56 min
